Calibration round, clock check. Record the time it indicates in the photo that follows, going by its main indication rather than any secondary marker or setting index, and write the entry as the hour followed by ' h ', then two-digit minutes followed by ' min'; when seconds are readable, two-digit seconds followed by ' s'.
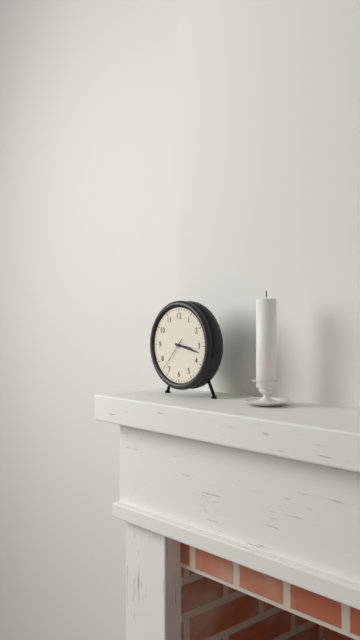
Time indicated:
3 h 17 min
